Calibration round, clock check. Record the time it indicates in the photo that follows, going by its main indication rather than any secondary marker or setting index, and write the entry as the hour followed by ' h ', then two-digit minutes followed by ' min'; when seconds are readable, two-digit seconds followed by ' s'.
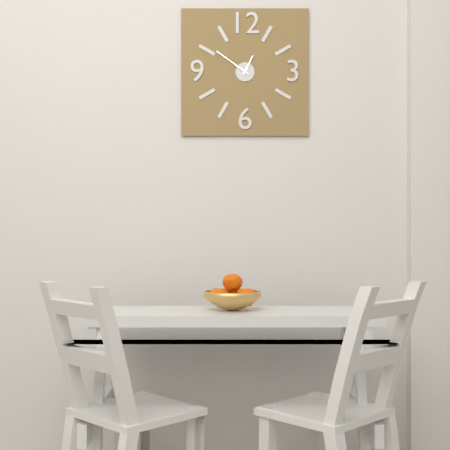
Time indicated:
12 h 51 min
